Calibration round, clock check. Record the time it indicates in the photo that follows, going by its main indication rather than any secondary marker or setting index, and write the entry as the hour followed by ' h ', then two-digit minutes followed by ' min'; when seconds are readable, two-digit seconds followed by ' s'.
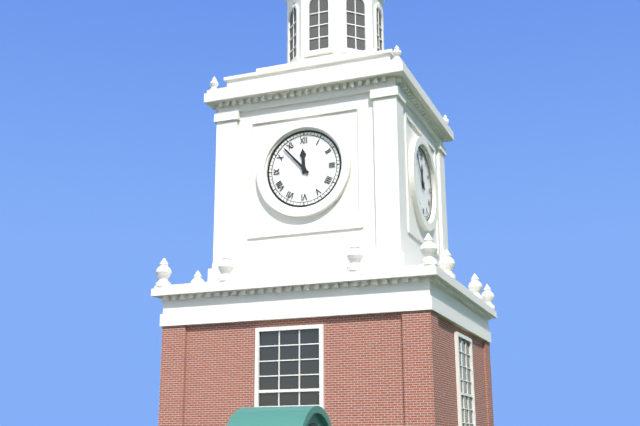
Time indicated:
11 h 53 min
